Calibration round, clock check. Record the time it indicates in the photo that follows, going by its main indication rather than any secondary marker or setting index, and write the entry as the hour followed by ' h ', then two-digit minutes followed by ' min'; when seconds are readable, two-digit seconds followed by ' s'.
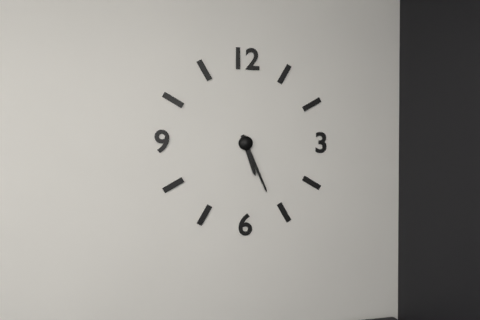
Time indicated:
5 h 26 min
